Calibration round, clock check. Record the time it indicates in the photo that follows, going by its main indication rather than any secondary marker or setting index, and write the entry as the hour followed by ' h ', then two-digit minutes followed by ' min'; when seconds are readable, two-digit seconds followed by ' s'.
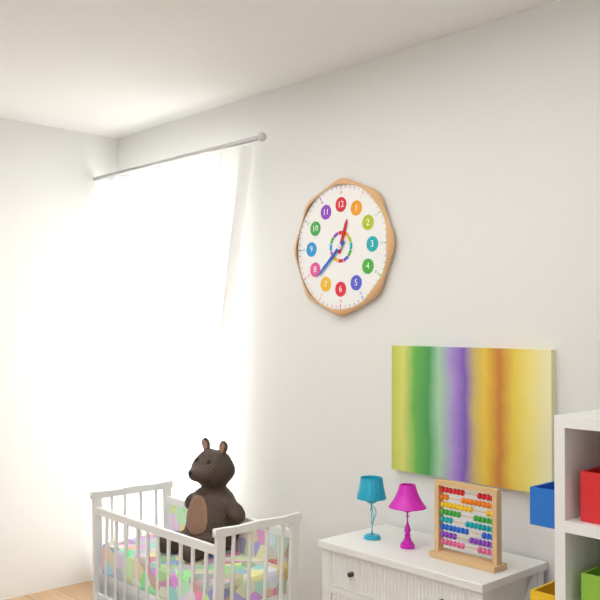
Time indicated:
12 h 38 min
